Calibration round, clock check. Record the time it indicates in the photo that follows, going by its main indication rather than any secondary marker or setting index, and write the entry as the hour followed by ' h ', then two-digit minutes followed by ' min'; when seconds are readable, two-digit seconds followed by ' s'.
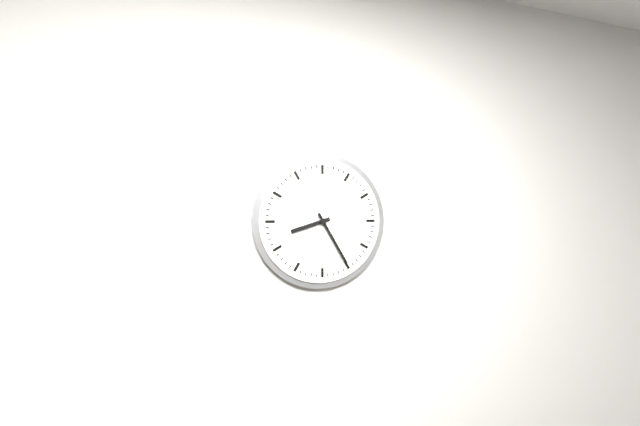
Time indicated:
8 h 25 min
